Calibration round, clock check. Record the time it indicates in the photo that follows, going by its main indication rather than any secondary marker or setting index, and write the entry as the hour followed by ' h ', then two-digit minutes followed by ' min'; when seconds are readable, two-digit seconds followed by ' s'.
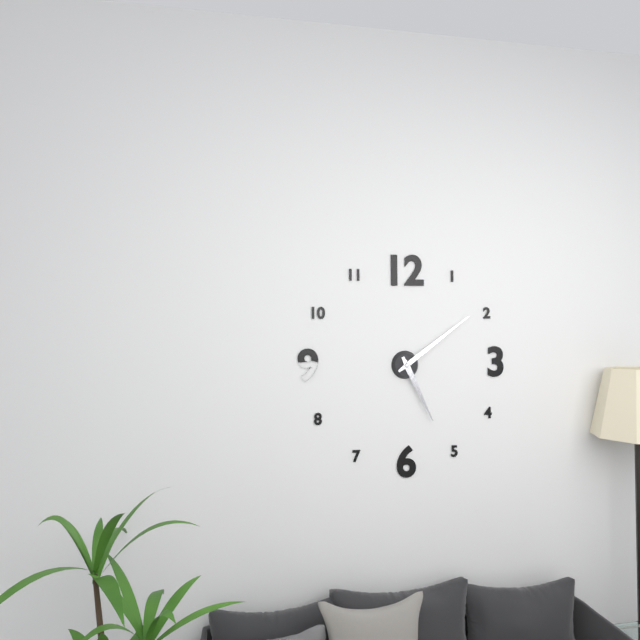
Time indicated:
5 h 09 min
